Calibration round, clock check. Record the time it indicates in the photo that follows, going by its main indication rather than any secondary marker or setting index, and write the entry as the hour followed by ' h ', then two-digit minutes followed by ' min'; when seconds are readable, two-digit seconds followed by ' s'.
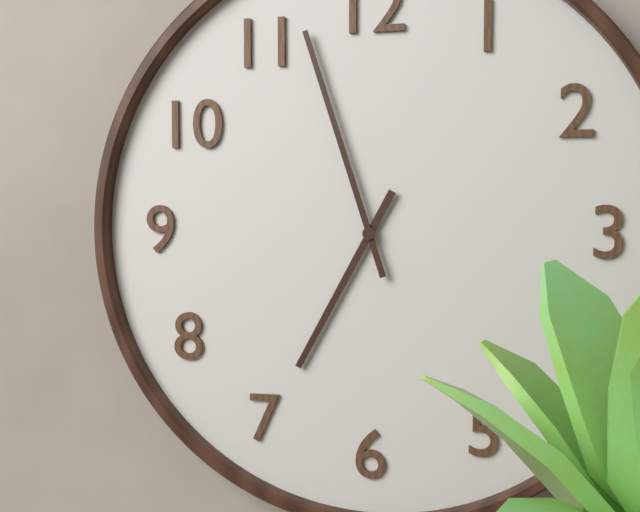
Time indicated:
6 h 57 min
